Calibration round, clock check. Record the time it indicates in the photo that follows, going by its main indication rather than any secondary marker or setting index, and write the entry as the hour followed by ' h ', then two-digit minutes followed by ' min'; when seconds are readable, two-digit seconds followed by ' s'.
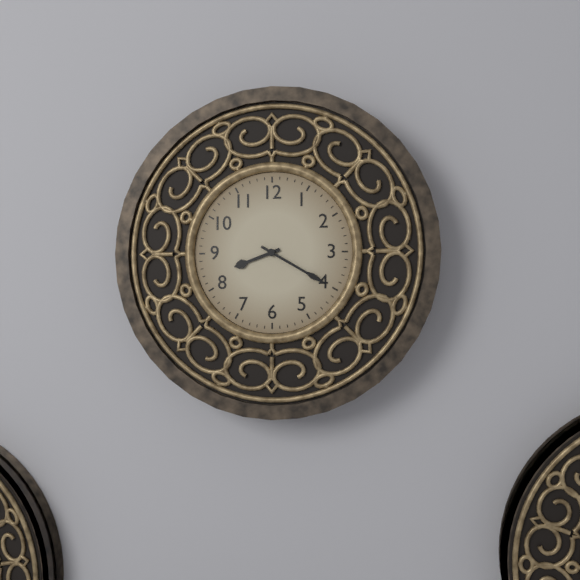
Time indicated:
8 h 20 min
